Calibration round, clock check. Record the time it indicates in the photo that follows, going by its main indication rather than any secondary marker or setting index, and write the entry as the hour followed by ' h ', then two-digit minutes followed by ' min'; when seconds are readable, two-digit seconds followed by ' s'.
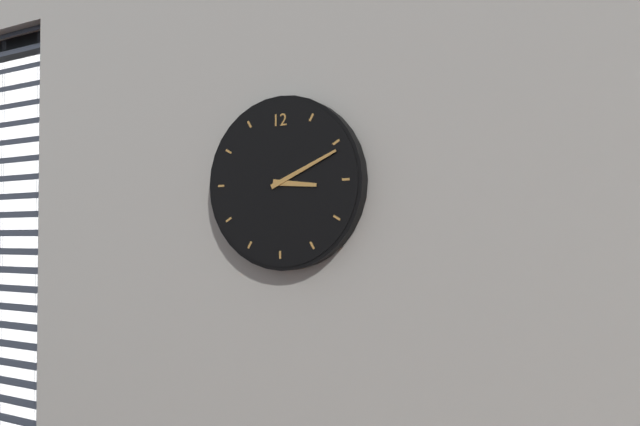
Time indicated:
3 h 11 min
